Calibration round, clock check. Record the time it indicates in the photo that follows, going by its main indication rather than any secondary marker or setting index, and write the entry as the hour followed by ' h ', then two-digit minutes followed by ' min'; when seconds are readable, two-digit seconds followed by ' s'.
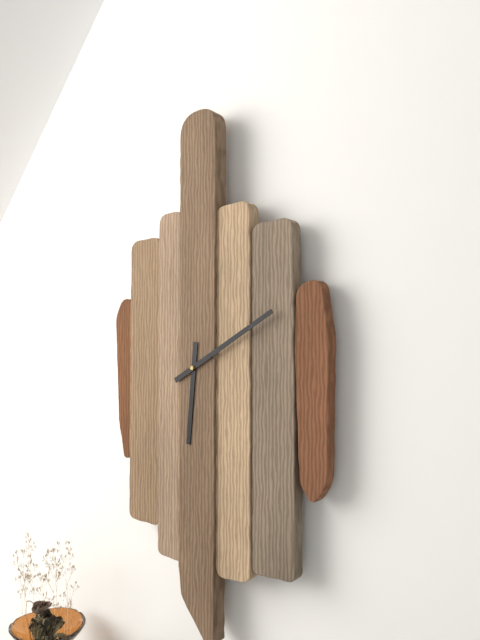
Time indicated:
6 h 10 min
